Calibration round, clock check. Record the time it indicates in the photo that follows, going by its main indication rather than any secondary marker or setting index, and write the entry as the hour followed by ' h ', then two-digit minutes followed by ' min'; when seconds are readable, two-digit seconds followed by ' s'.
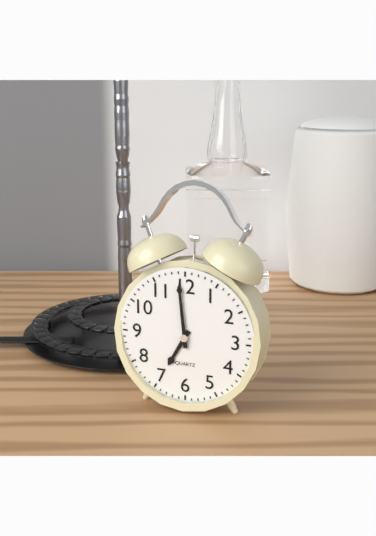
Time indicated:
6 h 59 min
